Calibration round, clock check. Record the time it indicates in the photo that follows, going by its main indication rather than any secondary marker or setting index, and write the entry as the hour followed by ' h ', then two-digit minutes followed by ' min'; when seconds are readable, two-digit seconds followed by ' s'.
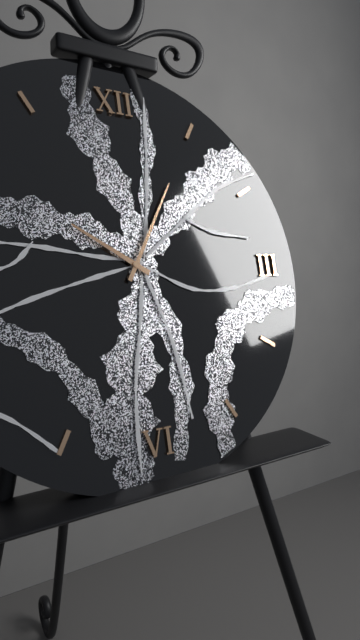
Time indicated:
10 h 05 min
